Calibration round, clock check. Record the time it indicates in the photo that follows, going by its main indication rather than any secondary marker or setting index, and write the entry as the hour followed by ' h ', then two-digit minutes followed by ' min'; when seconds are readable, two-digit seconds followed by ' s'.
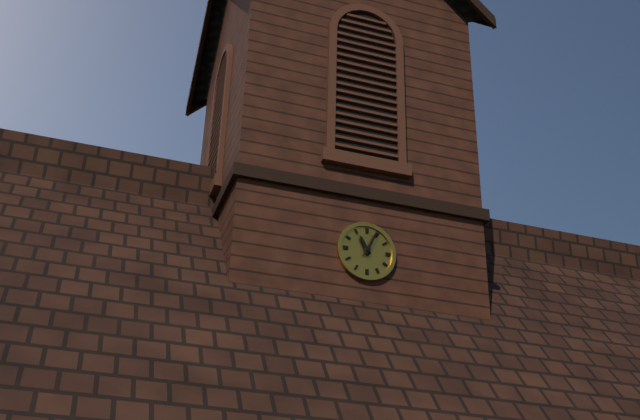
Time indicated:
11 h 04 min
